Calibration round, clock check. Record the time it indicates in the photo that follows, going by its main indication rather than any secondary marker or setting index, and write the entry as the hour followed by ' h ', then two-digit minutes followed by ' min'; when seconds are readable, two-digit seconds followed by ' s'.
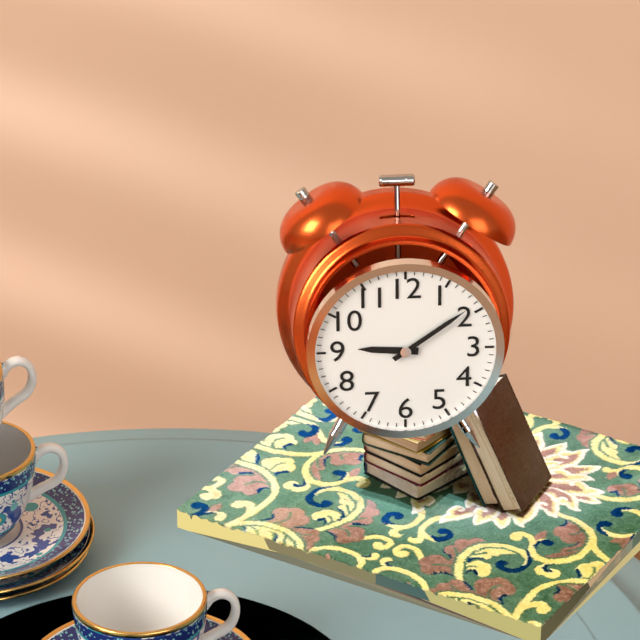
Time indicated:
9 h 09 min
